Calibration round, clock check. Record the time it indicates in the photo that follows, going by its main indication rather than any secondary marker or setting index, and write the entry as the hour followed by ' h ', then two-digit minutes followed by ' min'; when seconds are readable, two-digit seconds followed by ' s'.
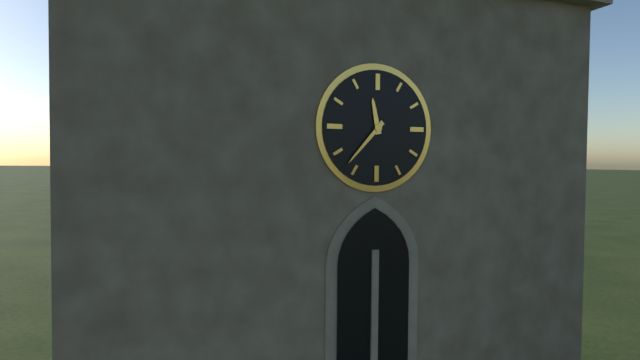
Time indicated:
11 h 37 min
